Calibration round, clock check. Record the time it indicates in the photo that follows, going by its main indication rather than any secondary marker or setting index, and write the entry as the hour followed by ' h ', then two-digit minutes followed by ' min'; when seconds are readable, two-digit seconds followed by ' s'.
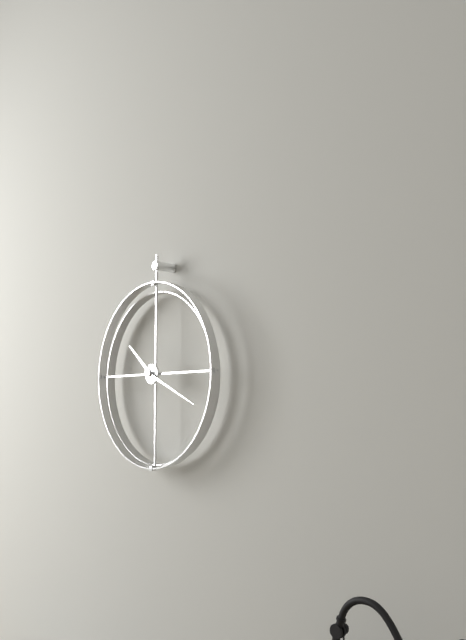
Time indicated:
10 h 19 min
